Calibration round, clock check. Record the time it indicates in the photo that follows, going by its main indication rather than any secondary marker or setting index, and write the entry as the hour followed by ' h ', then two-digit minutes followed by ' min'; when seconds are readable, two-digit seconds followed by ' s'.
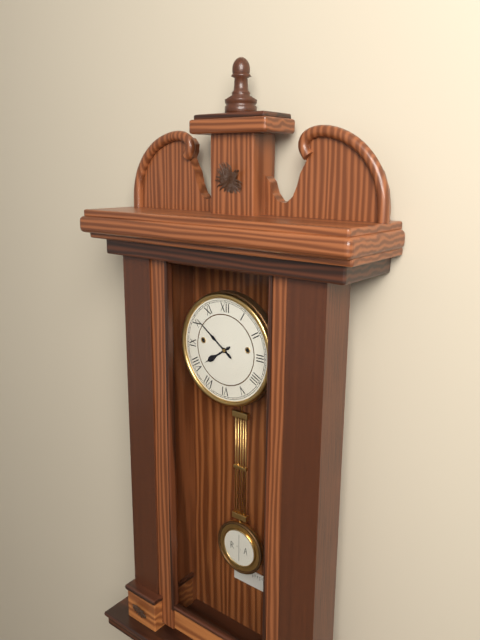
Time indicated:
7 h 51 min
